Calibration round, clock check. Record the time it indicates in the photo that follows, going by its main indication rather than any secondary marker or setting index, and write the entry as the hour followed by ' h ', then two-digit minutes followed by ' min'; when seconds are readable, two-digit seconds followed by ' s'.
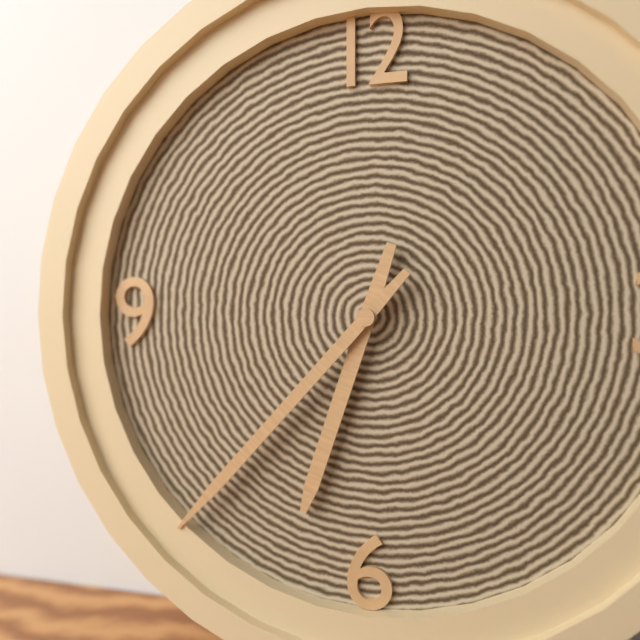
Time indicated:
6 h 37 min
